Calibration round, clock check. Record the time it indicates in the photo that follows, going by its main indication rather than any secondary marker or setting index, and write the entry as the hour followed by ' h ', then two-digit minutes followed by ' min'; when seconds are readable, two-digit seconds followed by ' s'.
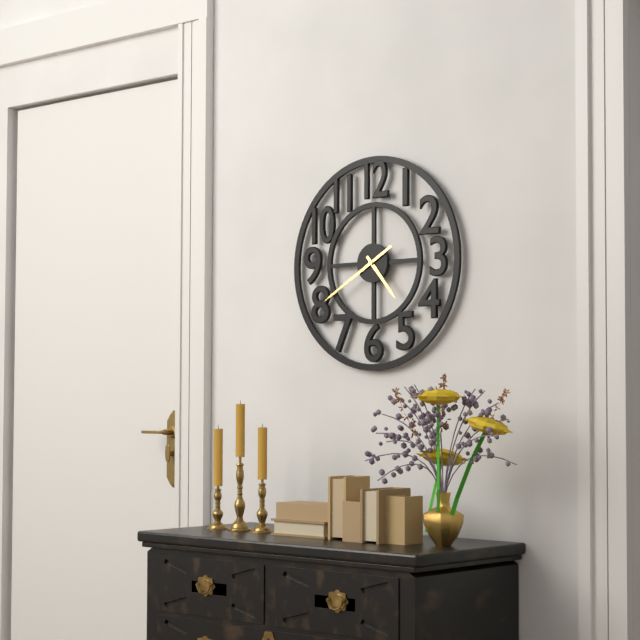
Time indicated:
4 h 40 min
